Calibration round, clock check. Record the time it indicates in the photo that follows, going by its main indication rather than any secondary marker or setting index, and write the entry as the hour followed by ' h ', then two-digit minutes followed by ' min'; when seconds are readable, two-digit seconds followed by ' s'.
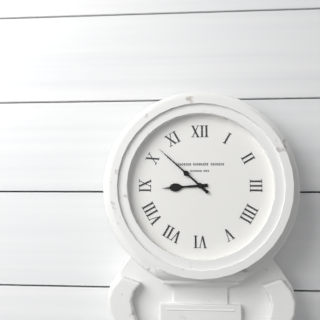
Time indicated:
8 h 52 min
